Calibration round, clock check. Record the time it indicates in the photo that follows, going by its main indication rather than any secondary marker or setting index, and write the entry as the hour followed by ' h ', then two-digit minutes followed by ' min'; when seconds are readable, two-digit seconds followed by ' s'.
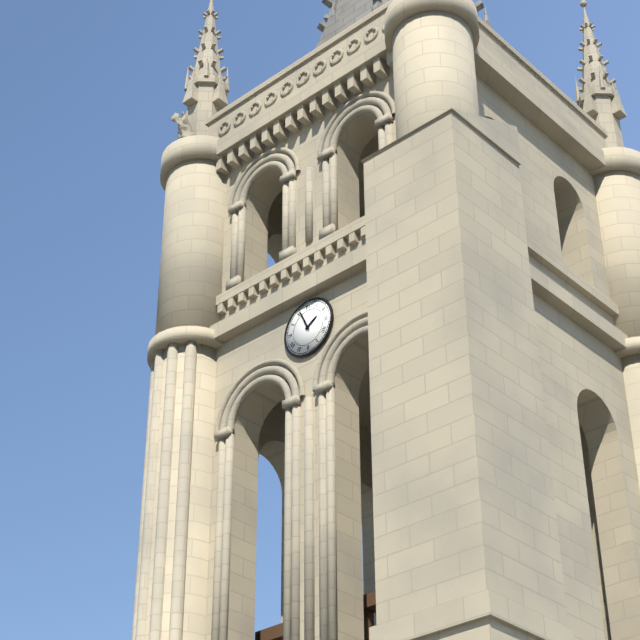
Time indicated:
1 h 56 min
